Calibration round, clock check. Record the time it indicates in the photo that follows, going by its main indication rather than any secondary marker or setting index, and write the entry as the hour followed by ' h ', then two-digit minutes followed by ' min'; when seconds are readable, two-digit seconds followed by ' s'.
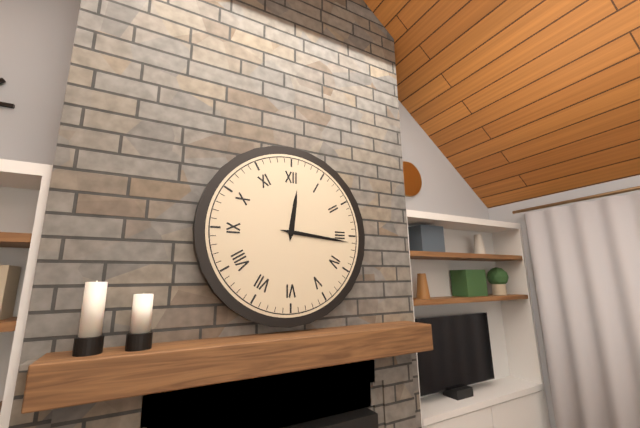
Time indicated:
12 h 16 min
